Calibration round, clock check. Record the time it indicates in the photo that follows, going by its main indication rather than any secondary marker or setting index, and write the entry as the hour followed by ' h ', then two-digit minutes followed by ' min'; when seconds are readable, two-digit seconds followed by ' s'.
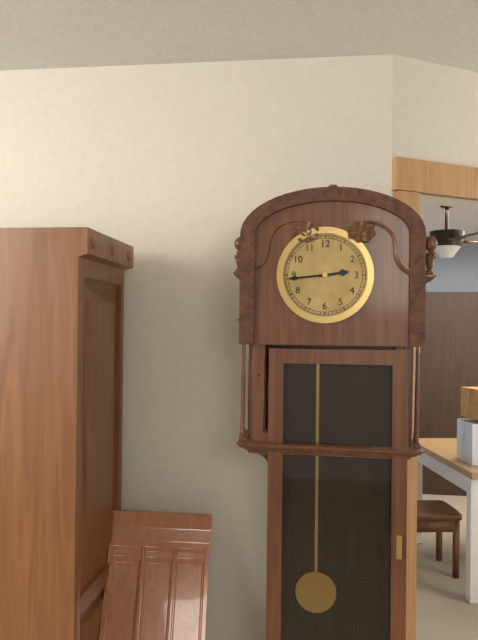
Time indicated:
2 h 44 min
